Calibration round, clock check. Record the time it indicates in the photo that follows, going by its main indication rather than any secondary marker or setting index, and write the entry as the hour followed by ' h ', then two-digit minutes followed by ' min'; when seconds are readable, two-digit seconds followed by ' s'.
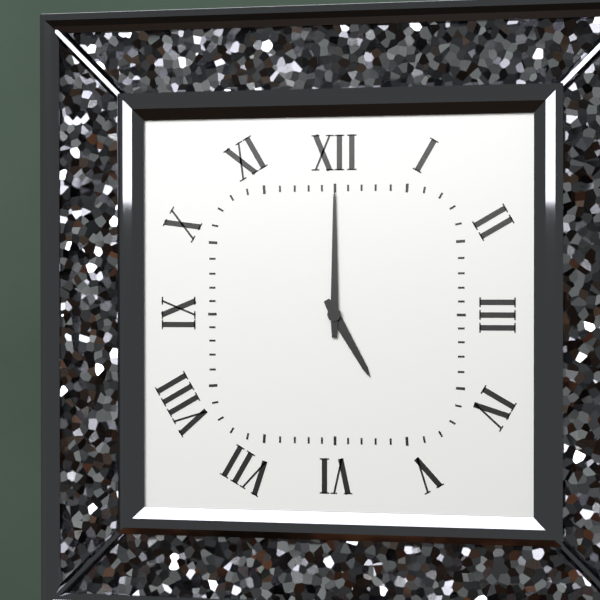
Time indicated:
5 h 00 min
